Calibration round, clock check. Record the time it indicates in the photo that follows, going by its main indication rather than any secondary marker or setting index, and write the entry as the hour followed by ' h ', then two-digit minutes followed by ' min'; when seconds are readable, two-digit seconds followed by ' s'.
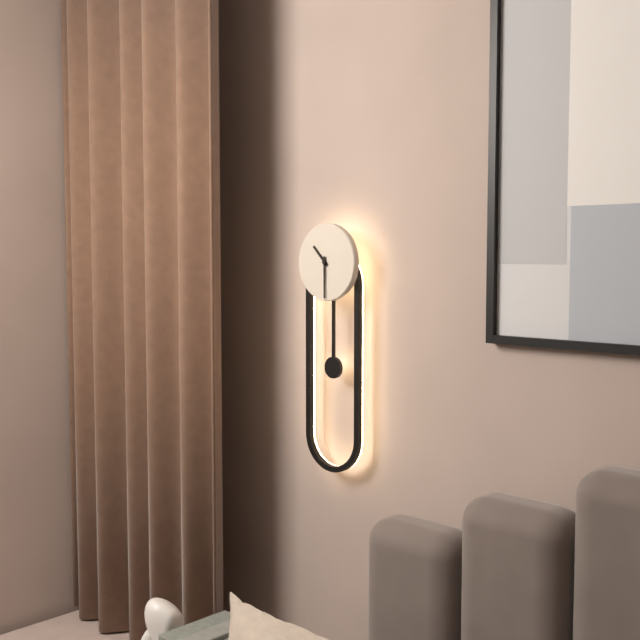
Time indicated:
10 h 30 min
